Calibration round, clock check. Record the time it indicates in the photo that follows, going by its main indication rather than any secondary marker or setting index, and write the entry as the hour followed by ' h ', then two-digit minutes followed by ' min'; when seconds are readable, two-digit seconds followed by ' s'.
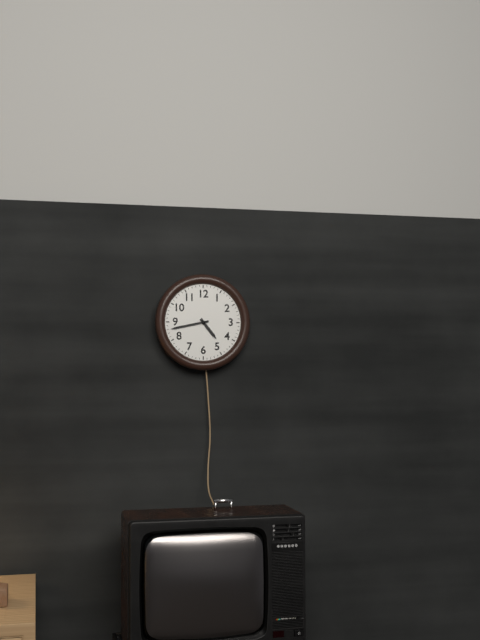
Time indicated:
4 h 43 min
